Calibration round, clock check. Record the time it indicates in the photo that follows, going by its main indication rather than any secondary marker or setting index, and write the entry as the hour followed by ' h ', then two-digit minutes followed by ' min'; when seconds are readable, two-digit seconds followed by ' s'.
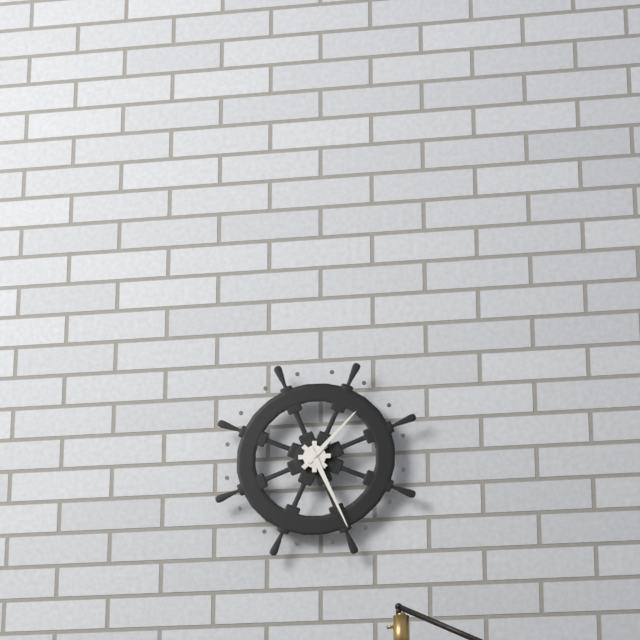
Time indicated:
1 h 26 min
